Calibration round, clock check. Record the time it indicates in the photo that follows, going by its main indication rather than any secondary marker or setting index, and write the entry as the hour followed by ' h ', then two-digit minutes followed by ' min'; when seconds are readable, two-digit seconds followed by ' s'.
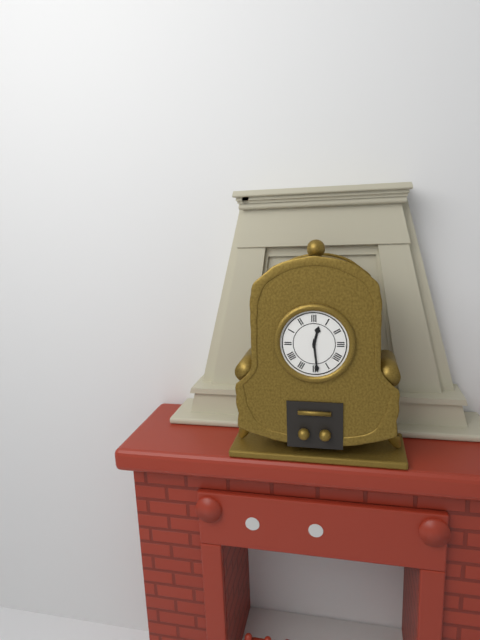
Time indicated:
12 h 29 min
